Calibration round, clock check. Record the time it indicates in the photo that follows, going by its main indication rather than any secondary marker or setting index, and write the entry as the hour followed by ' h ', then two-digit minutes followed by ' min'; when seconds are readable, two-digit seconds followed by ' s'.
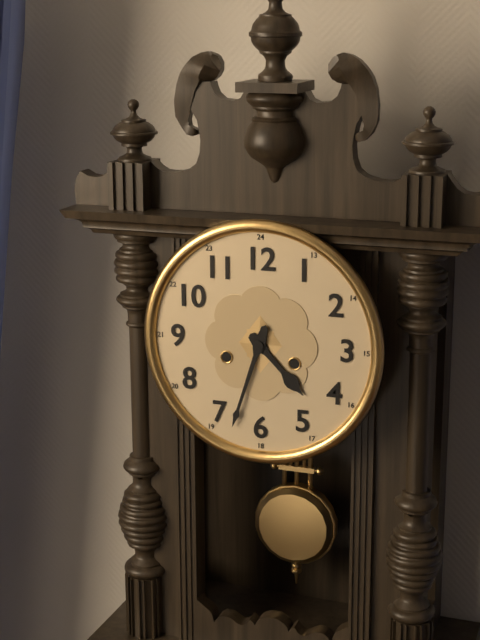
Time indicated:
4 h 33 min
